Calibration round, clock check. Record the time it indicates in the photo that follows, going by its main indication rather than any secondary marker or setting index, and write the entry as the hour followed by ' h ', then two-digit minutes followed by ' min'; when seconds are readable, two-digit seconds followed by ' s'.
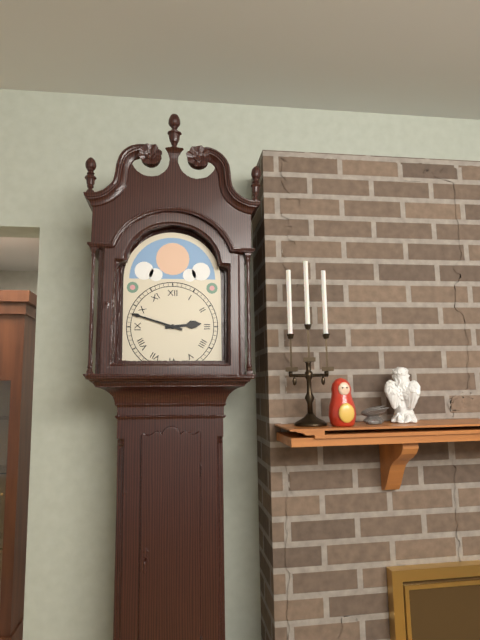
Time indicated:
2 h 48 min
